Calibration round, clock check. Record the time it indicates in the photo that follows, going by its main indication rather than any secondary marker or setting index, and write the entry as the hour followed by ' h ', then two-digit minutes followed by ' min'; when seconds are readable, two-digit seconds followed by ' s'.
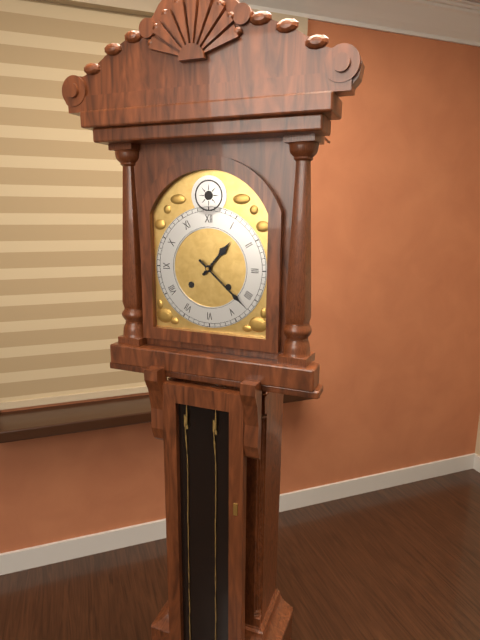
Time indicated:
1 h 22 min
